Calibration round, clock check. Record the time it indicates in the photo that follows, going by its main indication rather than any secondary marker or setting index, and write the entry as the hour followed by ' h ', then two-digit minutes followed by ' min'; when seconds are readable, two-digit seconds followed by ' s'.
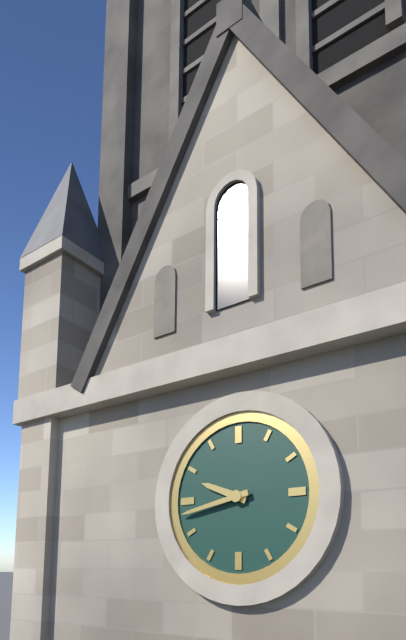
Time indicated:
9 h 43 min
